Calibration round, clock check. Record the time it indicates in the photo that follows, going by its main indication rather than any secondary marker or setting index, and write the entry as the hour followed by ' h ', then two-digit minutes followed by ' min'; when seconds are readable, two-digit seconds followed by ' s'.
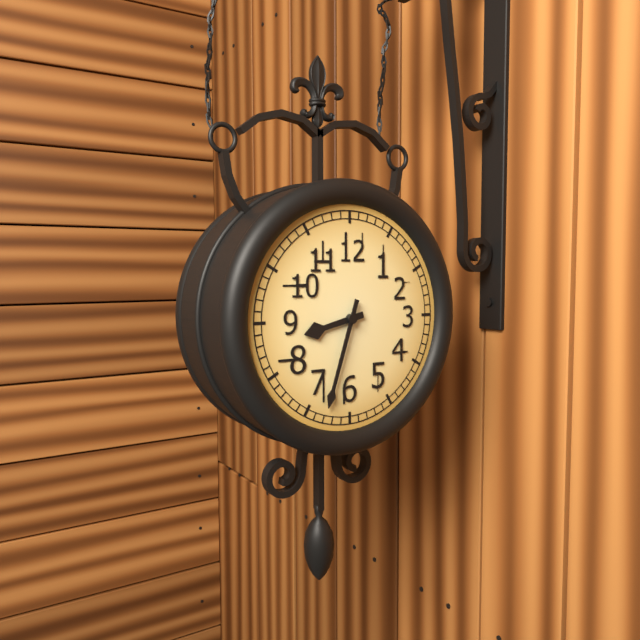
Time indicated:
8 h 33 min
